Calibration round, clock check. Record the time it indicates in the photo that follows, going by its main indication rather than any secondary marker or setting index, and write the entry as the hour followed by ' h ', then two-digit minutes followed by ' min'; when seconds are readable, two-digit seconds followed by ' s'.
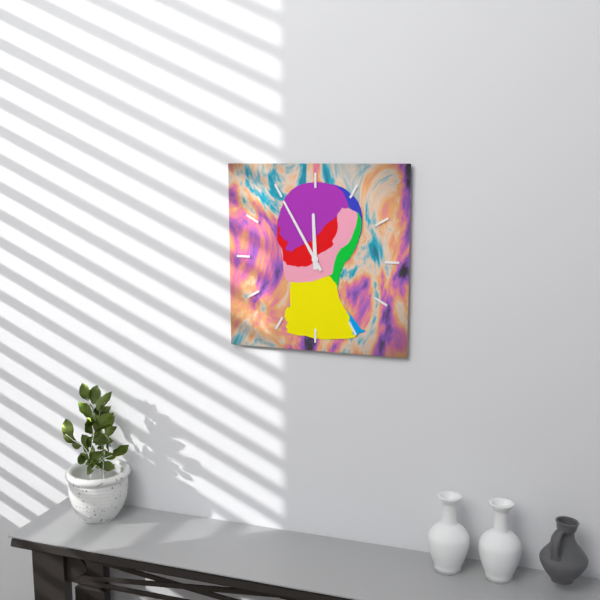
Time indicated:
11 h 55 min
